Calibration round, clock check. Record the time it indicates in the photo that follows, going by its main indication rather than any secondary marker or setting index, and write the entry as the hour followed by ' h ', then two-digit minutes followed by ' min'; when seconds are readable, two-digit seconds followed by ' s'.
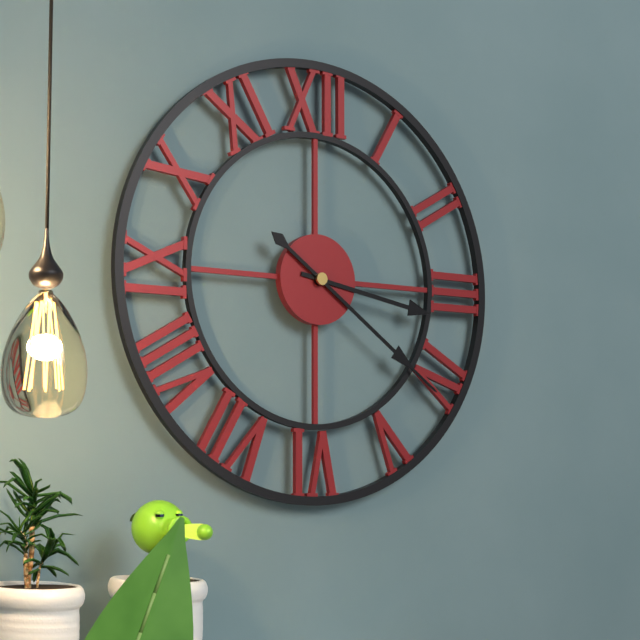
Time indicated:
3 h 21 min
